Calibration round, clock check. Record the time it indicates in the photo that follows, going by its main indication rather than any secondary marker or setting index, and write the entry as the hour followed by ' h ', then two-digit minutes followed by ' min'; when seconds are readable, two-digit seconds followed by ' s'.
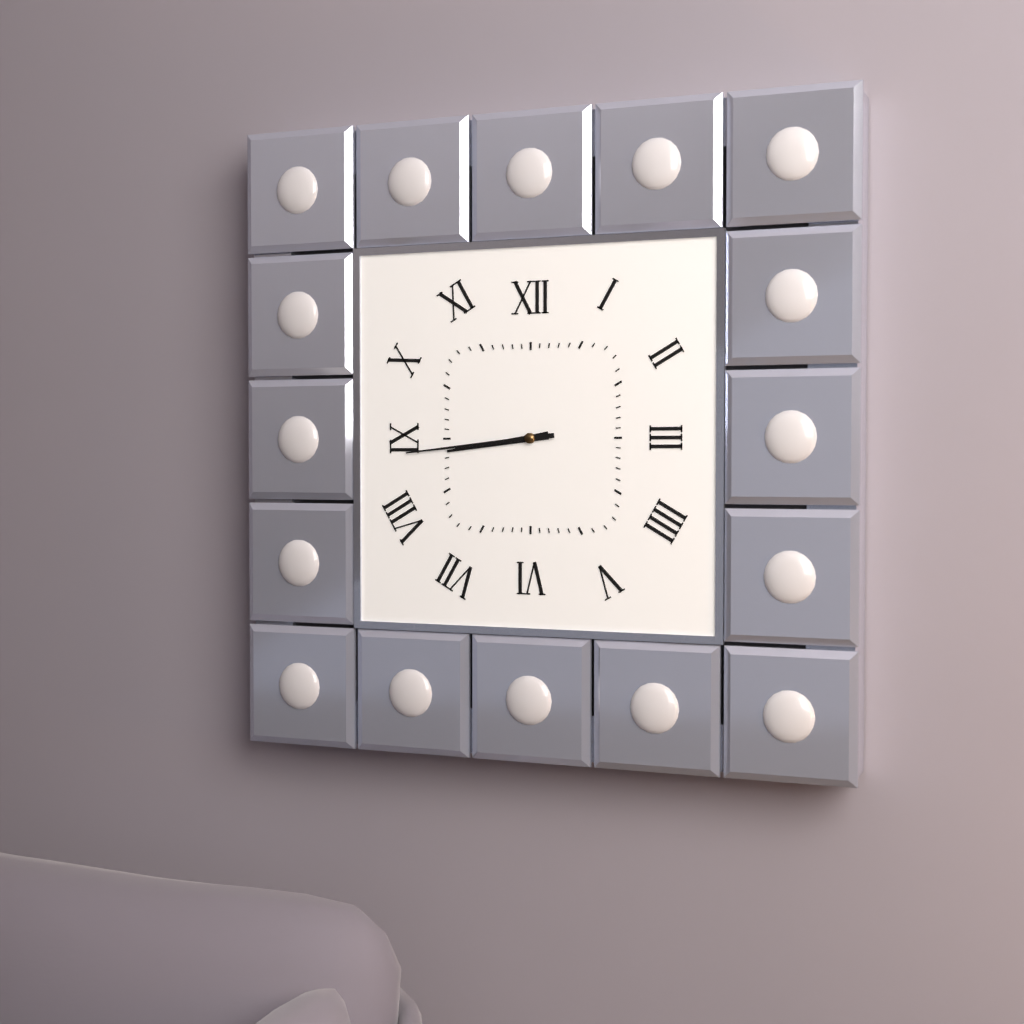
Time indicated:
8 h 44 min
